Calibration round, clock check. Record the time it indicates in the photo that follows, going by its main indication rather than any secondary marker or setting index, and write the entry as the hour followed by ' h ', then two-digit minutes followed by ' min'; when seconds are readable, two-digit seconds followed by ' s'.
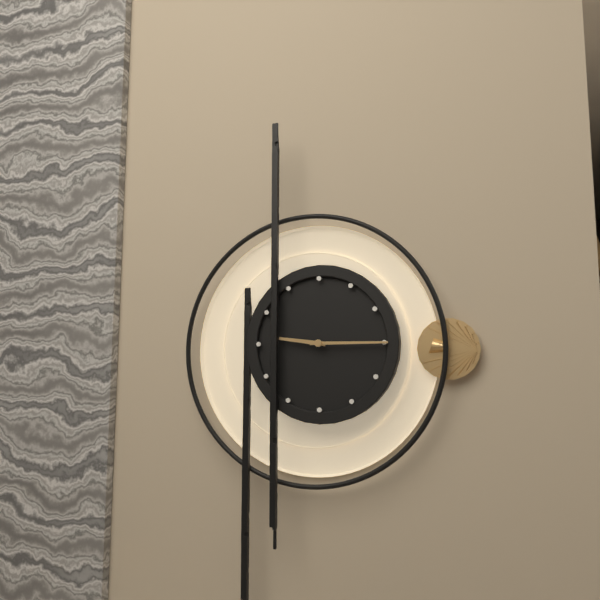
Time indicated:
9 h 15 min
